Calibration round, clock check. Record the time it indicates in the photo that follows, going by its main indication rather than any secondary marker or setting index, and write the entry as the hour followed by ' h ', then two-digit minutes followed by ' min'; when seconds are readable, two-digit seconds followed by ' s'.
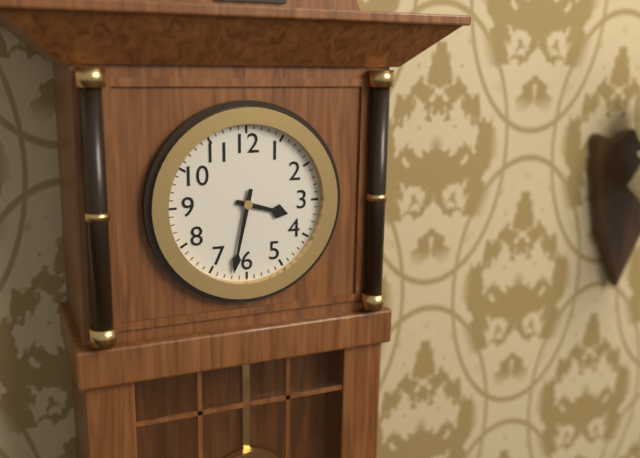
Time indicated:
3 h 32 min
